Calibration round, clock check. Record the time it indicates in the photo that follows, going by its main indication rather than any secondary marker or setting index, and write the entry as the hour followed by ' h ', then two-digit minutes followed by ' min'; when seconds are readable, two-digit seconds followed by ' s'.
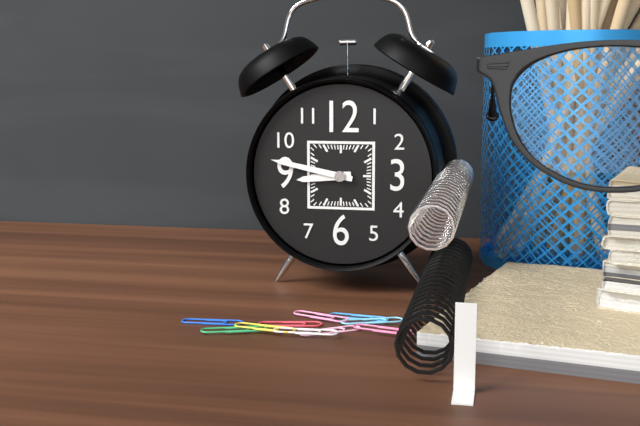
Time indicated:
8 h 47 min
